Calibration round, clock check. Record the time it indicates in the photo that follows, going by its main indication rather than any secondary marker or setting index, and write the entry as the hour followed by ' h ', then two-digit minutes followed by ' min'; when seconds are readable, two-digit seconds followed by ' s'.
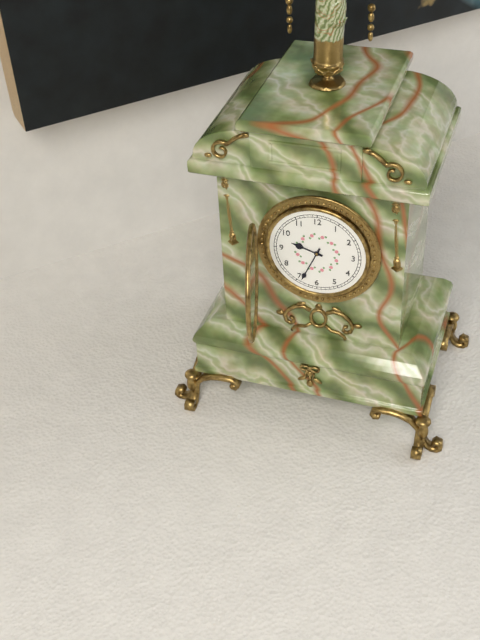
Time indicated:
9 h 34 min
